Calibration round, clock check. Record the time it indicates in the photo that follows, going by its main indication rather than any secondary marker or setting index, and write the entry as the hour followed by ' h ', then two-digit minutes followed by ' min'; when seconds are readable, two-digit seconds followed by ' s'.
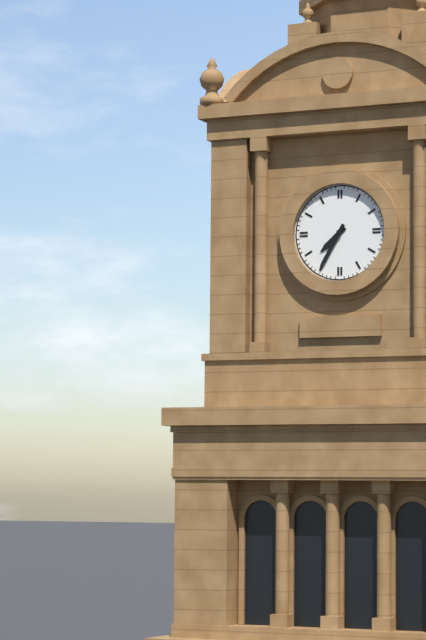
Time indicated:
7 h 35 min
